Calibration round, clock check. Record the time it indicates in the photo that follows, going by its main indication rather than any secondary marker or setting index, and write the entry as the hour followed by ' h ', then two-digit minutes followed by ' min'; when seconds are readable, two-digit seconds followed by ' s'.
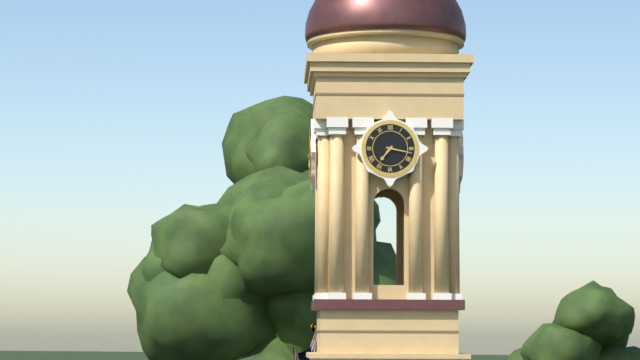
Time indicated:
7 h 17 min
